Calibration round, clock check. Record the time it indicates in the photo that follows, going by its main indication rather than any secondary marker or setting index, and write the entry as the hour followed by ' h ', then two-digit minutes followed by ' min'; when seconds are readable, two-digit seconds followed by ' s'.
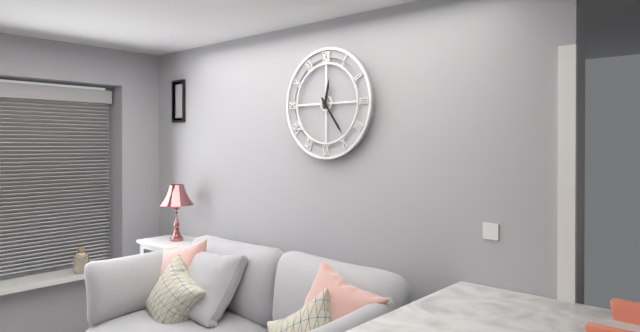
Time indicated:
12 h 24 min
